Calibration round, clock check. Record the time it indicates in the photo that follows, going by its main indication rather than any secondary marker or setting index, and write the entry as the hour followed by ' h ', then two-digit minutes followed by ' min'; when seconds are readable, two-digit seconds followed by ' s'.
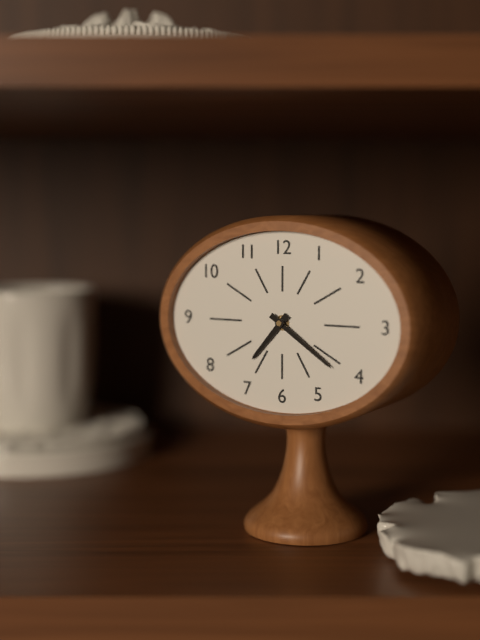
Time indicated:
7 h 21 min
